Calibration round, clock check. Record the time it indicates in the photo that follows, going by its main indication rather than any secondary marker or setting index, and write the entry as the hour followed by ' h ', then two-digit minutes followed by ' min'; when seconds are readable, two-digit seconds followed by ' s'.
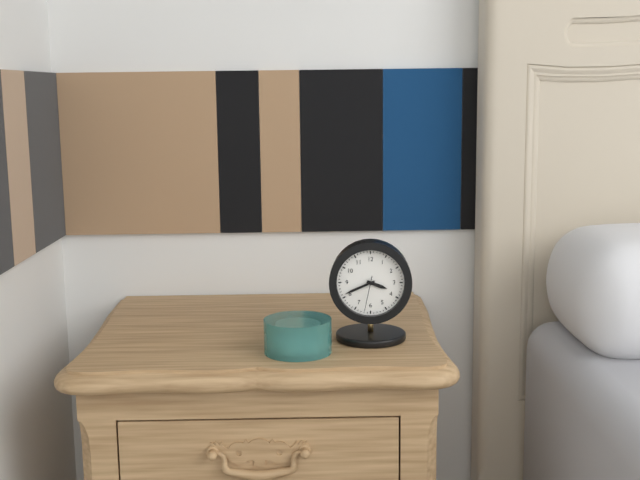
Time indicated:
3 h 41 min
